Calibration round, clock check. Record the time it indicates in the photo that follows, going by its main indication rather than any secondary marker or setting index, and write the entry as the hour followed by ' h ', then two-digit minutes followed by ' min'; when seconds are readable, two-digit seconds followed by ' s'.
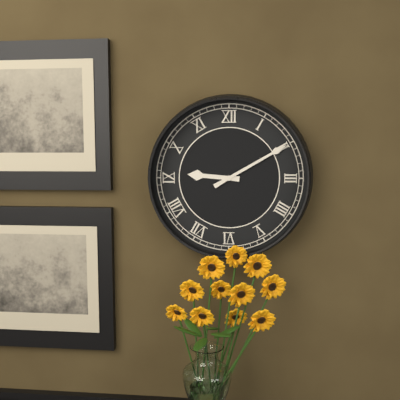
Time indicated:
9 h 10 min
